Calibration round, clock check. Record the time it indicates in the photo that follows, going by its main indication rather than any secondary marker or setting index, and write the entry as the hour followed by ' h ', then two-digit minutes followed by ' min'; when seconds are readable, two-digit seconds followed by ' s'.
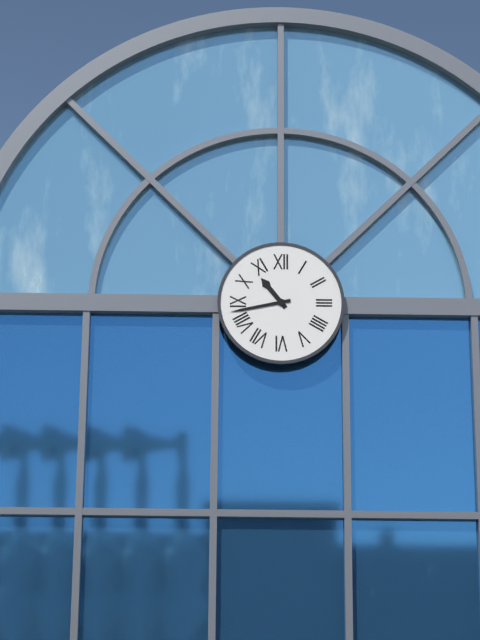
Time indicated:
10 h 43 min
